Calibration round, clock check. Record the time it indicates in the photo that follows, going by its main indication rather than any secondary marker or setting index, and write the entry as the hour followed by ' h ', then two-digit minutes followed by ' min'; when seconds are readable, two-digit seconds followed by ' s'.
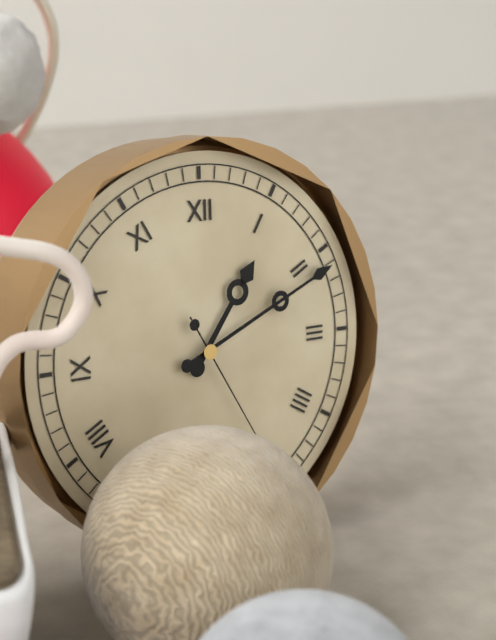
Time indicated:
1 h 11 min
